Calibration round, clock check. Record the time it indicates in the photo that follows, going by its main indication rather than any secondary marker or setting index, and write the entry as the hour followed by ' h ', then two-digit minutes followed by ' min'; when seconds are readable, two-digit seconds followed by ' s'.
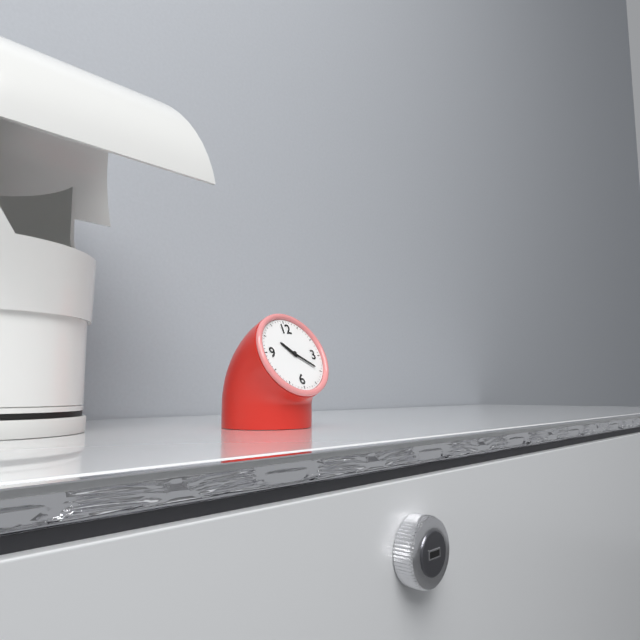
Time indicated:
10 h 20 min
